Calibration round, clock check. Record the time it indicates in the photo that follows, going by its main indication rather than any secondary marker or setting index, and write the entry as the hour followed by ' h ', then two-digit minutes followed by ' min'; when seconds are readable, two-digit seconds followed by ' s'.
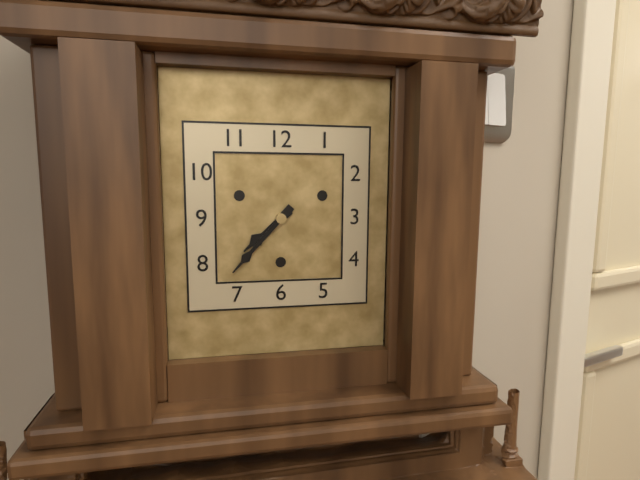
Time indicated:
7 h 37 min
